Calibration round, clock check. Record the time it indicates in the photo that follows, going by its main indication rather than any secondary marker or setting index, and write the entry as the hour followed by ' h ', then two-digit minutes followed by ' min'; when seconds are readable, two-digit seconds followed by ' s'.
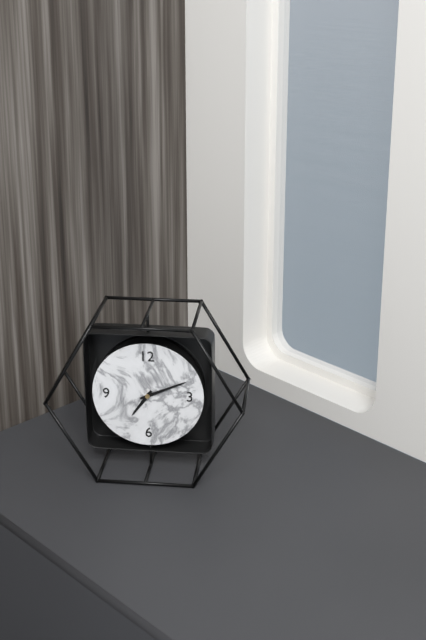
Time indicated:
7 h 11 min
